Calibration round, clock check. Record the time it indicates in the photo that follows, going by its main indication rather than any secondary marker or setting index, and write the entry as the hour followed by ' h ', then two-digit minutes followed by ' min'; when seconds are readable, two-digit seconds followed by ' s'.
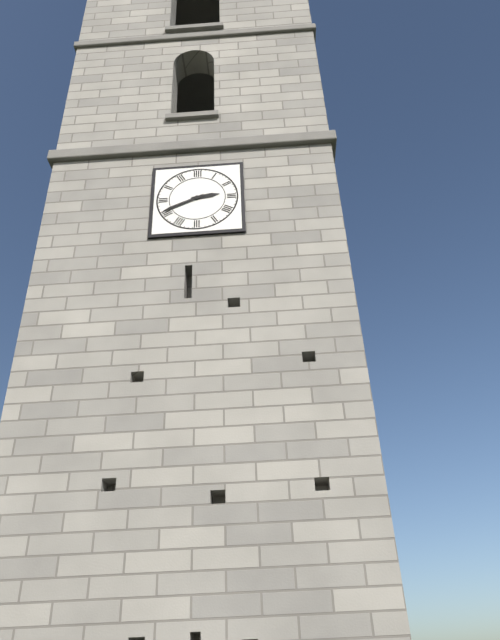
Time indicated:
2 h 41 min
